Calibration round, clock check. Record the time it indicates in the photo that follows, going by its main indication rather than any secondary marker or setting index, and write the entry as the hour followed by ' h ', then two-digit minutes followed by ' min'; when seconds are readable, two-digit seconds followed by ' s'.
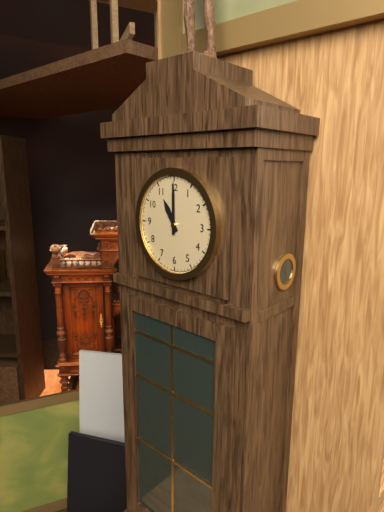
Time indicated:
11 h 00 min
